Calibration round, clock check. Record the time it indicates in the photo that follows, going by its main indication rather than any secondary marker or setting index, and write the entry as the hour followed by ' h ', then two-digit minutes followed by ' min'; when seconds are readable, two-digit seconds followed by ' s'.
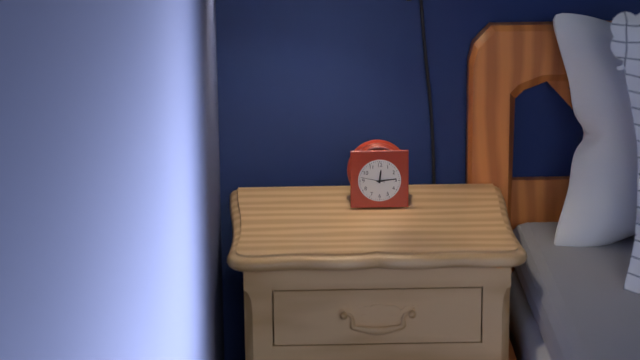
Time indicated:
12 h 14 min
